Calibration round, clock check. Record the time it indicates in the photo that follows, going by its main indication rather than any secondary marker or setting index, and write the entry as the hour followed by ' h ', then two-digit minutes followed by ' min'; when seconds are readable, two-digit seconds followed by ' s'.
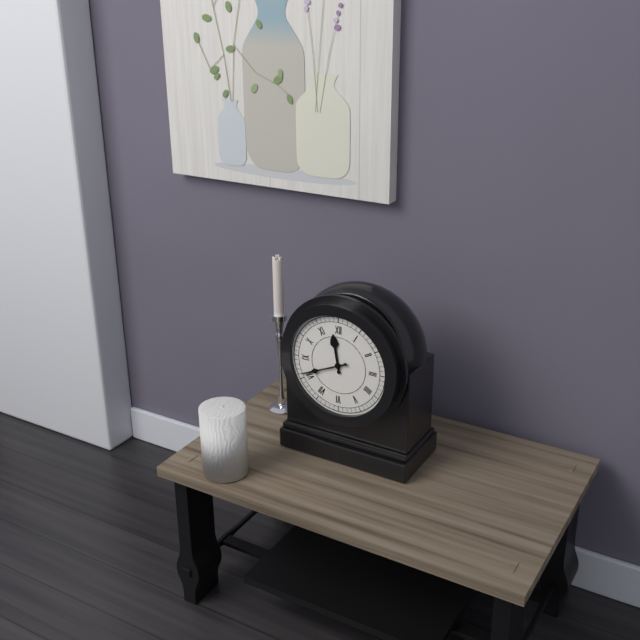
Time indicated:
11 h 41 min
